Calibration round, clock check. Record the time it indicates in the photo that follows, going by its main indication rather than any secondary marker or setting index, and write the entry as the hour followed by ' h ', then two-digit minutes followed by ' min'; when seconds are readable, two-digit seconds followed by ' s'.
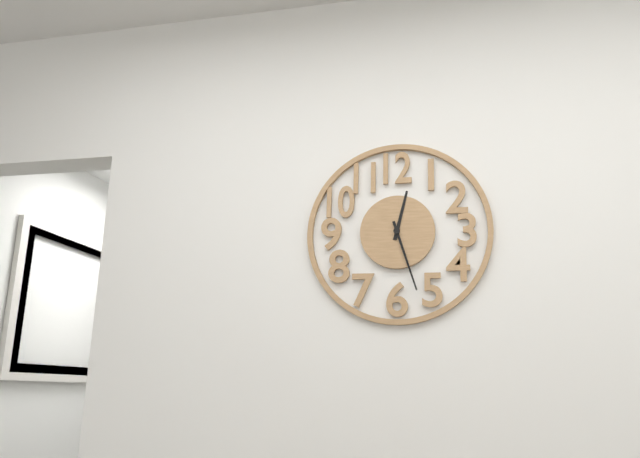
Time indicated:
12 h 27 min
